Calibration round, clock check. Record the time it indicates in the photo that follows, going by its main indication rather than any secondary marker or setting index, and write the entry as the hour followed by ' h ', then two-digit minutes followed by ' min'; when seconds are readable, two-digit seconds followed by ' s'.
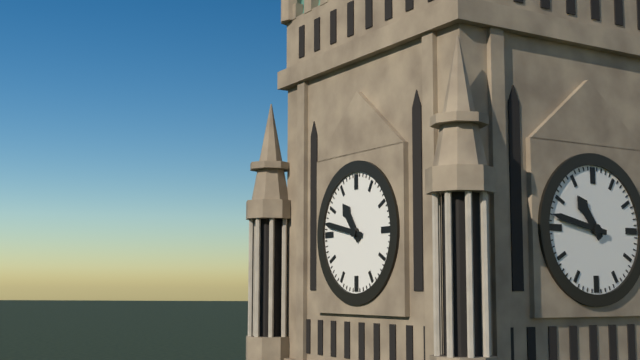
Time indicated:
10 h 47 min
